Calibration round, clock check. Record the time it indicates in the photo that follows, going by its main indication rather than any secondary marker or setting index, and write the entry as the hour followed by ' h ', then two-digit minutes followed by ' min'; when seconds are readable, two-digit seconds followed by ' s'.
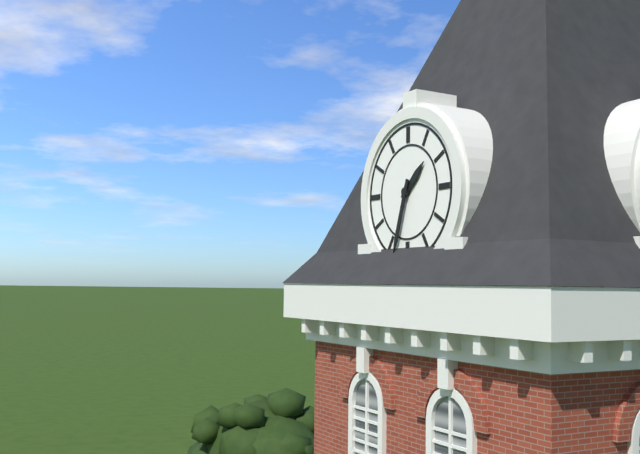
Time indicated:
1 h 33 min
